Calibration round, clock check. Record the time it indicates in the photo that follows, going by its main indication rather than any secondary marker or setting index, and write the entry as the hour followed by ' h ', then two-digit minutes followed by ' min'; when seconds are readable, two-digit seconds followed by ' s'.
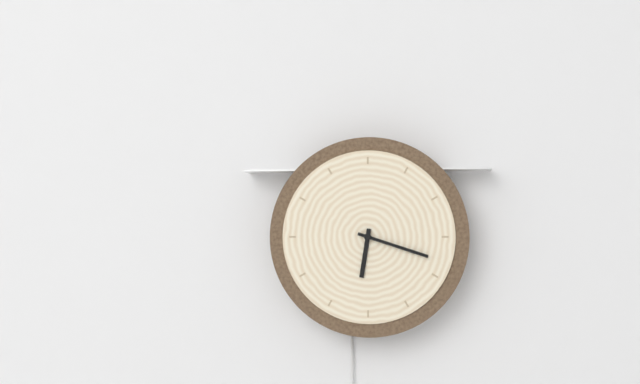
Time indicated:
6 h 18 min
